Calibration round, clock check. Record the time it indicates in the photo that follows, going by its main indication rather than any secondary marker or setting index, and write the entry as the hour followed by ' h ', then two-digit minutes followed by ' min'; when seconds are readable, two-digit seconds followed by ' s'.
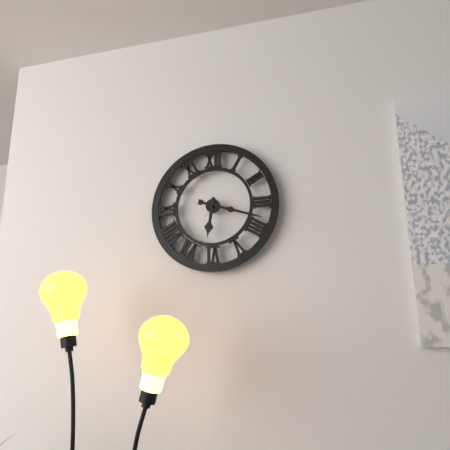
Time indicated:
6 h 18 min
